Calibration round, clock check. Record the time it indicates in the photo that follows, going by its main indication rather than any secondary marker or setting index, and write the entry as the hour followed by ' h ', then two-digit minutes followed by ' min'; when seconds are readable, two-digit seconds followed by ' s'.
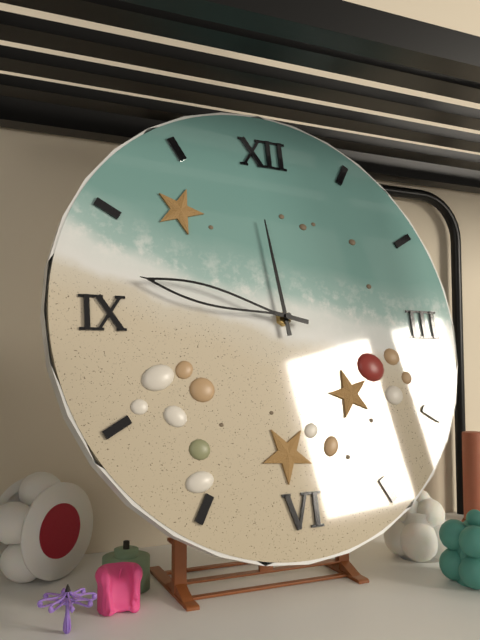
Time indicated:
11 h 47 min
